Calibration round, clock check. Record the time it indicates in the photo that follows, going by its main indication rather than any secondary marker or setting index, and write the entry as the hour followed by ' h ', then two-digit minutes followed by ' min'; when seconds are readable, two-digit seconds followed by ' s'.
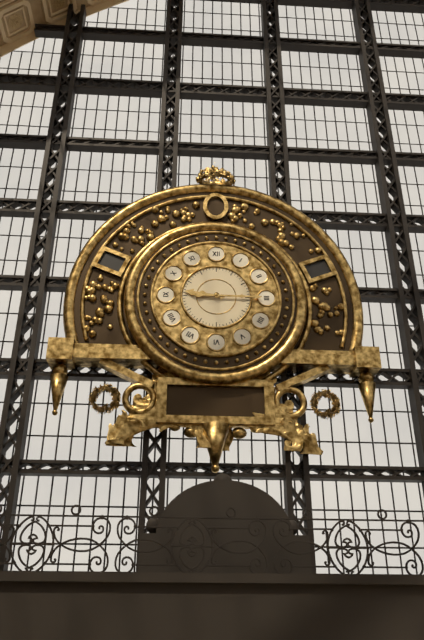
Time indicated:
9 h 15 min
